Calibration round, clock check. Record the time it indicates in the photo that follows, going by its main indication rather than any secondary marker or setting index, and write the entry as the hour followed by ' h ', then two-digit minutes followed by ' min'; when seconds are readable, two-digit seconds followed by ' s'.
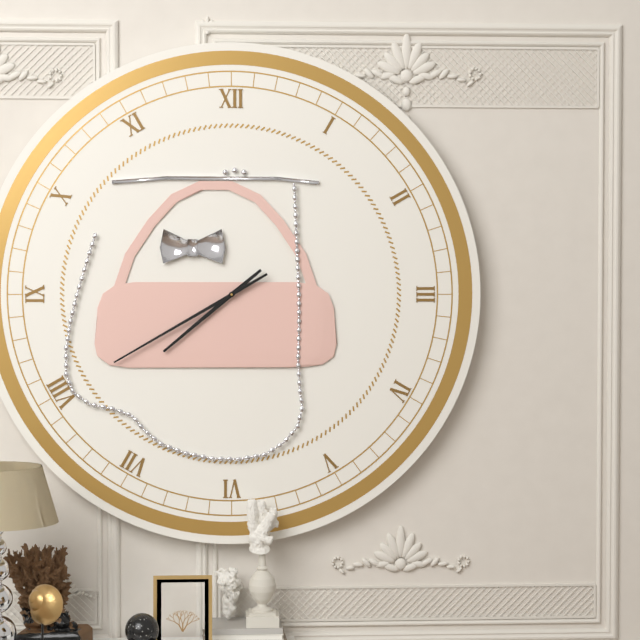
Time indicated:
7 h 40 min
